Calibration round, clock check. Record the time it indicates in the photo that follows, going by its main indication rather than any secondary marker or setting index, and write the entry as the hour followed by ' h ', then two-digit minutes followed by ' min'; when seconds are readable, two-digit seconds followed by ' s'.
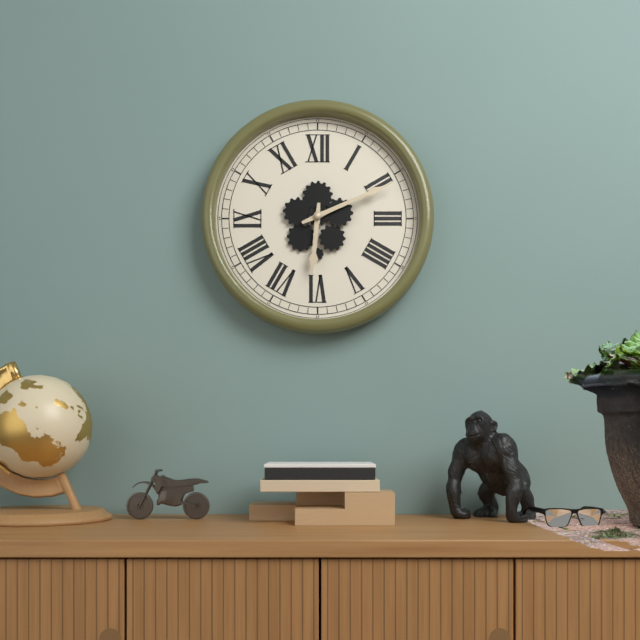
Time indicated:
6 h 11 min
